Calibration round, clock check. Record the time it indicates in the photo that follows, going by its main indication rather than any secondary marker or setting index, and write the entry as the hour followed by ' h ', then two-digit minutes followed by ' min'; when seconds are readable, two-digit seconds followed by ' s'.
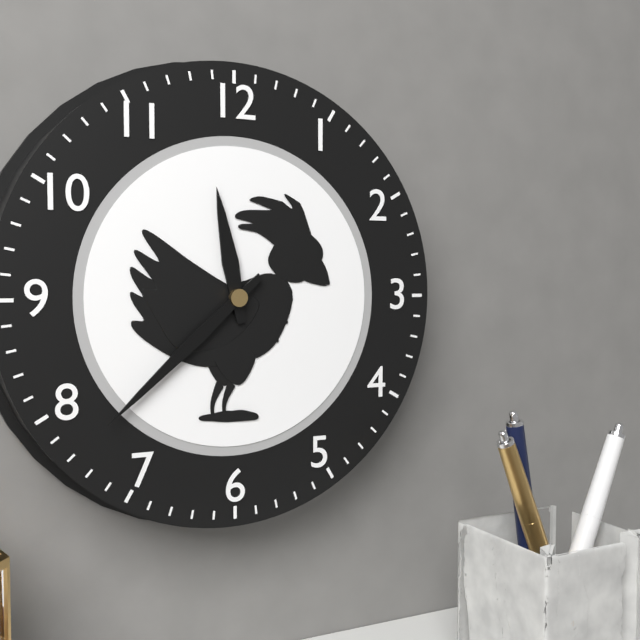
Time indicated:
11 h 38 min
